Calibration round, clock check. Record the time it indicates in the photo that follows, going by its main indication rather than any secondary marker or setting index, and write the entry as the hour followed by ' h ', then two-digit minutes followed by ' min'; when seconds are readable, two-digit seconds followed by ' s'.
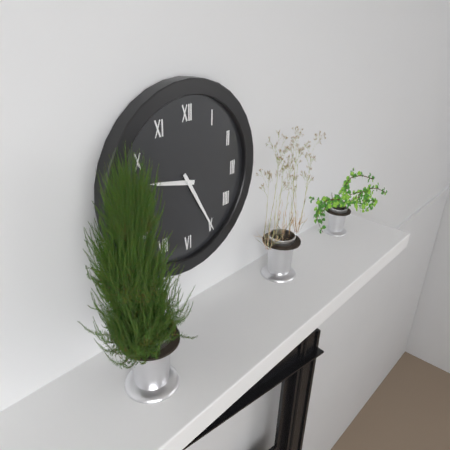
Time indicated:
9 h 25 min
